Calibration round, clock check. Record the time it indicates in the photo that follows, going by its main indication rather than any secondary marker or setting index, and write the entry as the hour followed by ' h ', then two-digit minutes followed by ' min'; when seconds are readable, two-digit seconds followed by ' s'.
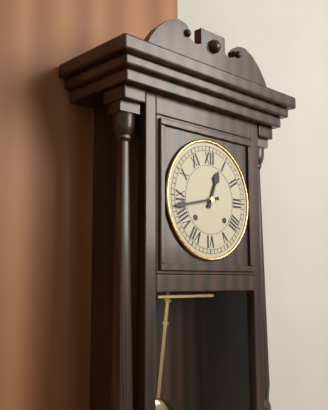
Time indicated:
12 h 43 min
